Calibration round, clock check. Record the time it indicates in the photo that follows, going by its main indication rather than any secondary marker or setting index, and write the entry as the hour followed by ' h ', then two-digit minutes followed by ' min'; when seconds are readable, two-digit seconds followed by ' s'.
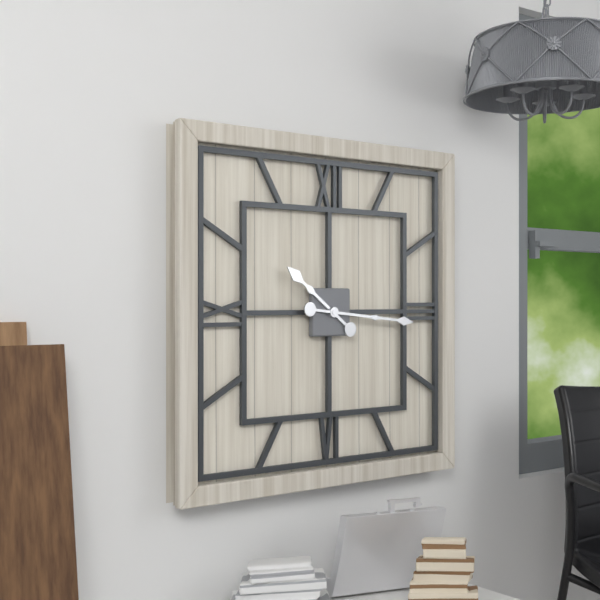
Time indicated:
10 h 16 min
